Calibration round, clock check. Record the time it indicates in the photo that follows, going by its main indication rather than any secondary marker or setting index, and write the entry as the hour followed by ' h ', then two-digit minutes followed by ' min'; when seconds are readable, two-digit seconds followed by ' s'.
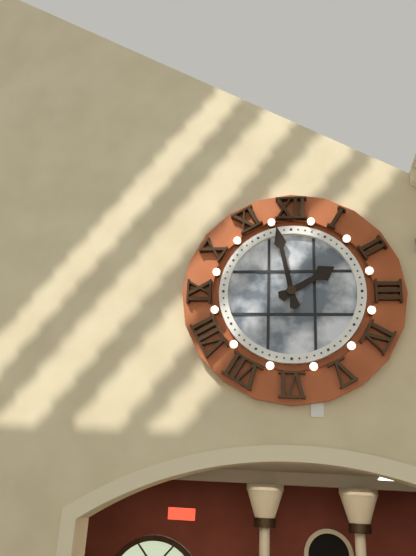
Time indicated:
1 h 58 min
